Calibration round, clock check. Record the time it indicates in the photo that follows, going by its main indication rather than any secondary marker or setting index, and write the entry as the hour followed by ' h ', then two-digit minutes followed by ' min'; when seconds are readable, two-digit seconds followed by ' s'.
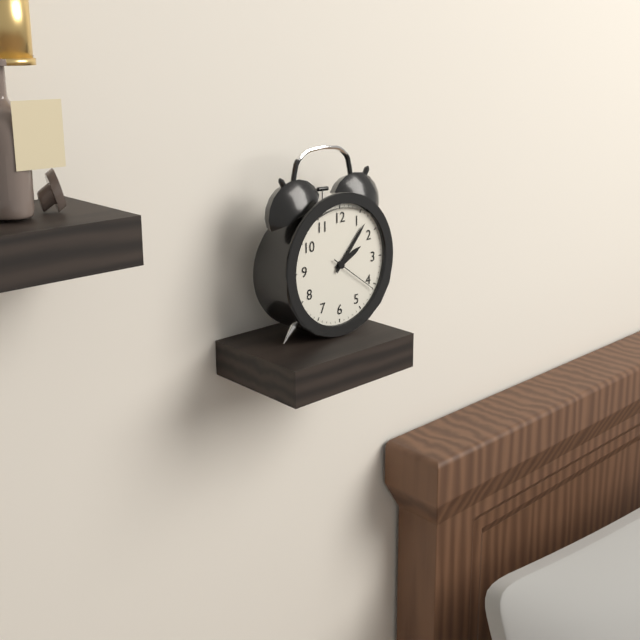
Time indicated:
2 h 07 min
